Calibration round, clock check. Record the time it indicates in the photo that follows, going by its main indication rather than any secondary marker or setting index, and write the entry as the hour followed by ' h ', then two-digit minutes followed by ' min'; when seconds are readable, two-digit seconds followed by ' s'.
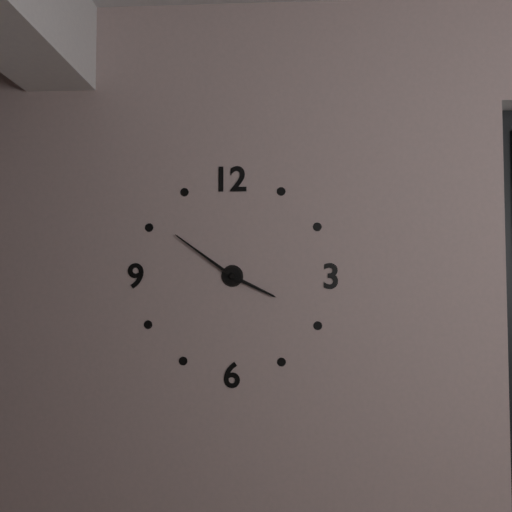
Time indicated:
3 h 51 min
